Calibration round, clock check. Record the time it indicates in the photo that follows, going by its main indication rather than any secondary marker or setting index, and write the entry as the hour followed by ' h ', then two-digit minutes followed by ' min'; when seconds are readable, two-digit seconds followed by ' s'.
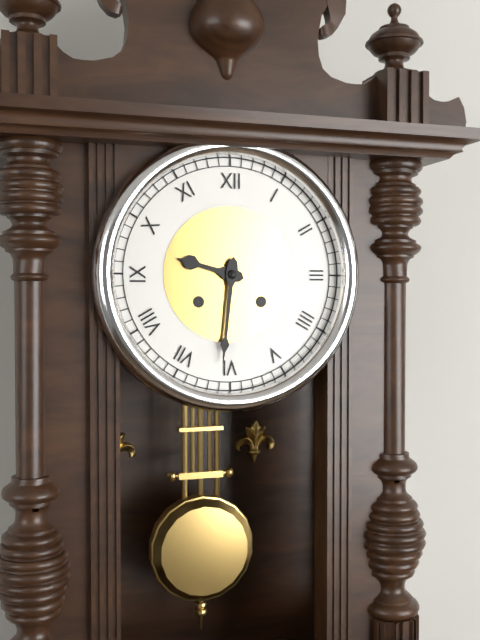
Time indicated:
9 h 31 min
